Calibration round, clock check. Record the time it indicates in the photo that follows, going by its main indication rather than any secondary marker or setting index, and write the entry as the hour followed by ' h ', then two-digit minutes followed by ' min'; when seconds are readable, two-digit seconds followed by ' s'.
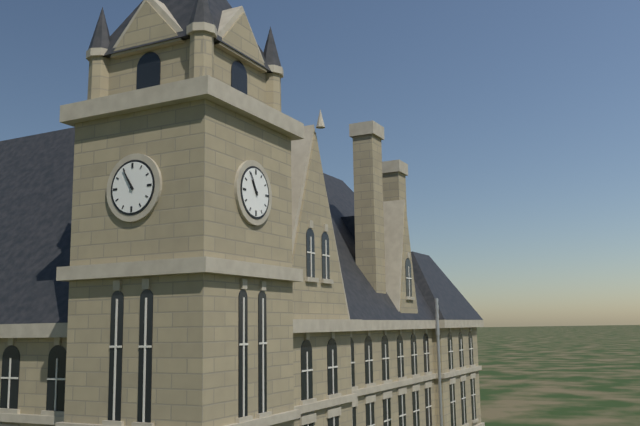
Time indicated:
10 h 55 min
